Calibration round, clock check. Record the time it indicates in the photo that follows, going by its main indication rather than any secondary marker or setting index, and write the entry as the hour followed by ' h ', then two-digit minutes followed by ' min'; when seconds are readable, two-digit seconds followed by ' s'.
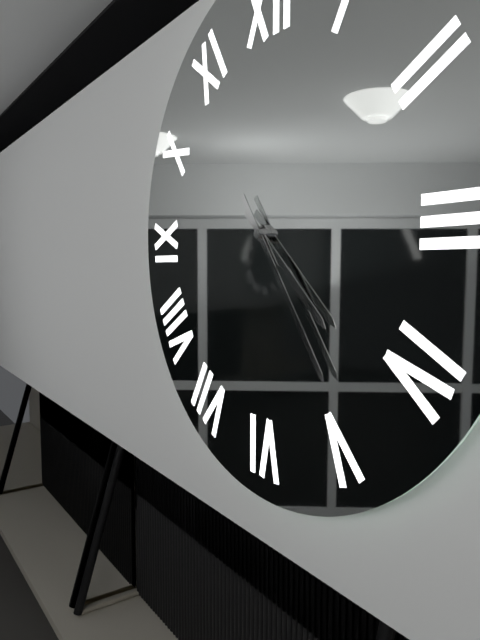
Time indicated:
4 h 24 min
